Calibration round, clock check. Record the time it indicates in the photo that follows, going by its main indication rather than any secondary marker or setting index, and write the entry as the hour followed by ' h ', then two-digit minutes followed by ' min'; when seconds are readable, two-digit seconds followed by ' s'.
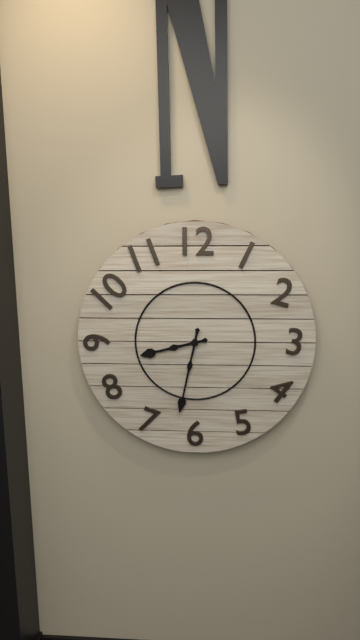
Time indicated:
8 h 32 min
